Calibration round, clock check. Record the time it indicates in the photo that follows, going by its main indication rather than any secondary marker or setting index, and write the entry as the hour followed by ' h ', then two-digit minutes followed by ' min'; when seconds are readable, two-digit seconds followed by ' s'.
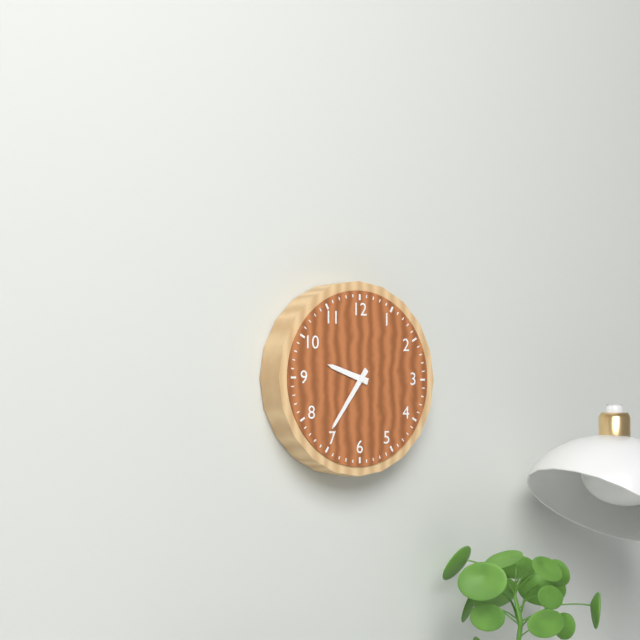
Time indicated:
9 h 36 min
